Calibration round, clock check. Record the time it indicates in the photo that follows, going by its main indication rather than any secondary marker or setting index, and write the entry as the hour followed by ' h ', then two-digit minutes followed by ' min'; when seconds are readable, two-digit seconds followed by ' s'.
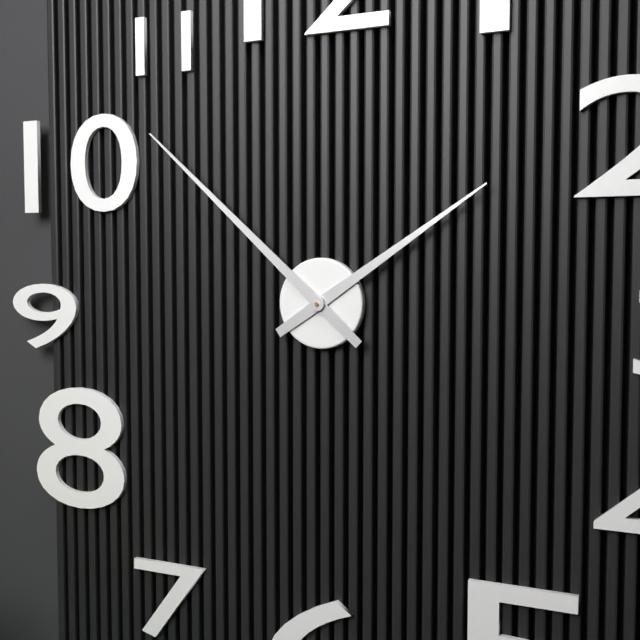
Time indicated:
1 h 52 min
